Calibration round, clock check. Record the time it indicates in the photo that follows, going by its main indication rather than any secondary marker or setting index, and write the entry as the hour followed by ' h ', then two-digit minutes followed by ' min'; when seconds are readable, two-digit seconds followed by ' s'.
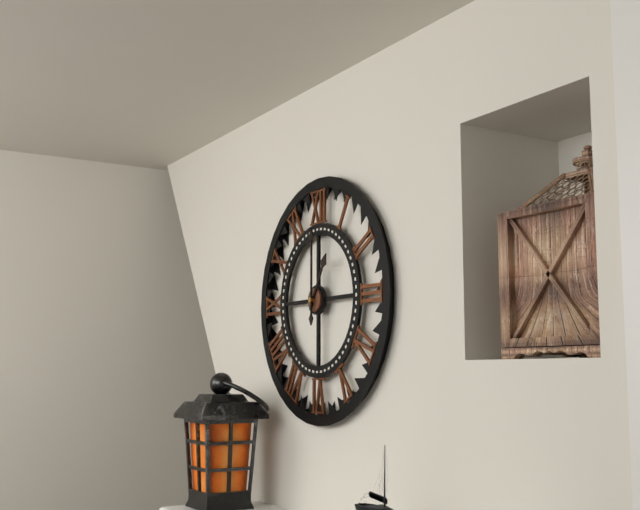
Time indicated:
1 h 00 min
